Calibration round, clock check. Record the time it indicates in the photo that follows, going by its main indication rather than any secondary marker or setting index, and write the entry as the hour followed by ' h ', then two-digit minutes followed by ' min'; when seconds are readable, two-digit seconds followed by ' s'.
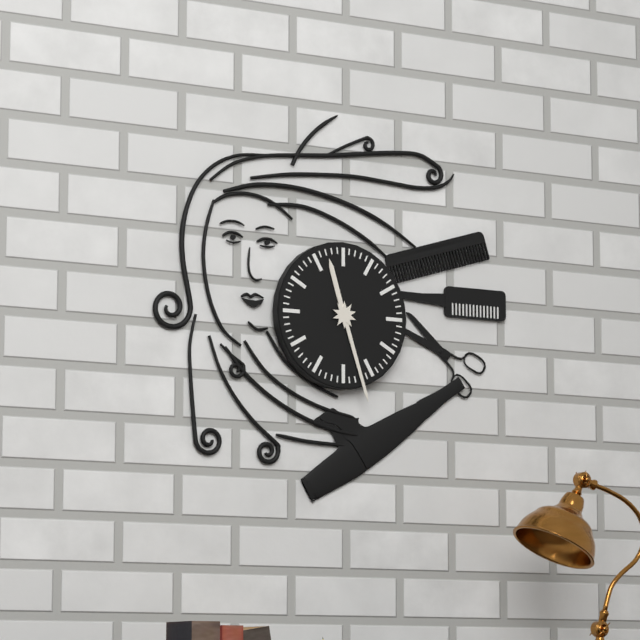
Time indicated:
11 h 27 min
